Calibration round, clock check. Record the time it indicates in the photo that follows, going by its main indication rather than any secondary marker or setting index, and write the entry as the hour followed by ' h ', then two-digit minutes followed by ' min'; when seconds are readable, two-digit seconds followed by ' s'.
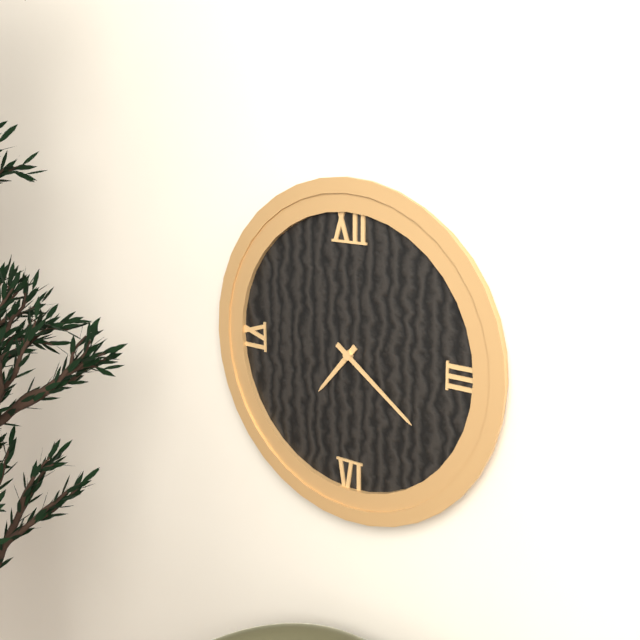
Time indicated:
7 h 21 min
